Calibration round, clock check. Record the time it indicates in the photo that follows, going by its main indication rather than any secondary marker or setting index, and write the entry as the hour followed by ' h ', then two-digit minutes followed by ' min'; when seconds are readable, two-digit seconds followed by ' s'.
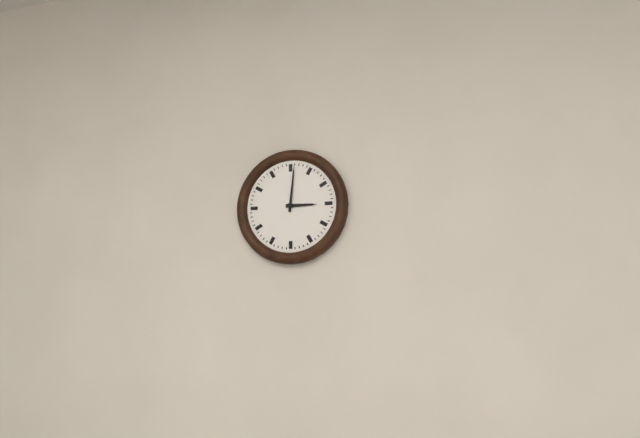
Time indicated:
3 h 01 min
